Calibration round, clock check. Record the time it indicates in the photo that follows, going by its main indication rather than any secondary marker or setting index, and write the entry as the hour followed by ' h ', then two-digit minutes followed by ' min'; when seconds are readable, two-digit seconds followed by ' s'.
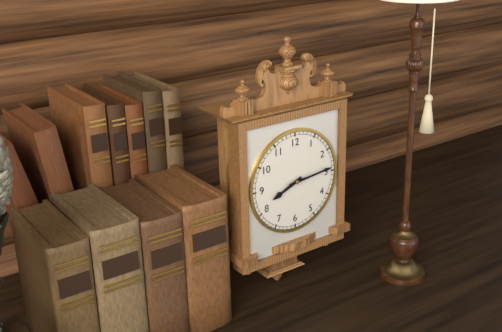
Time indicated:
8 h 14 min
